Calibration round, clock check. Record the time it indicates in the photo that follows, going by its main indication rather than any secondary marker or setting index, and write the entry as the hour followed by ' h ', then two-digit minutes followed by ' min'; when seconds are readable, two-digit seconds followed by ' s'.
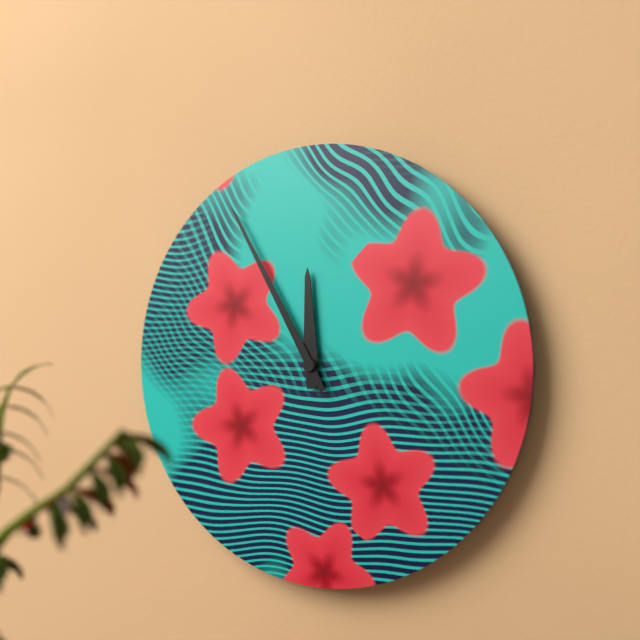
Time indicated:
11 h 55 min
